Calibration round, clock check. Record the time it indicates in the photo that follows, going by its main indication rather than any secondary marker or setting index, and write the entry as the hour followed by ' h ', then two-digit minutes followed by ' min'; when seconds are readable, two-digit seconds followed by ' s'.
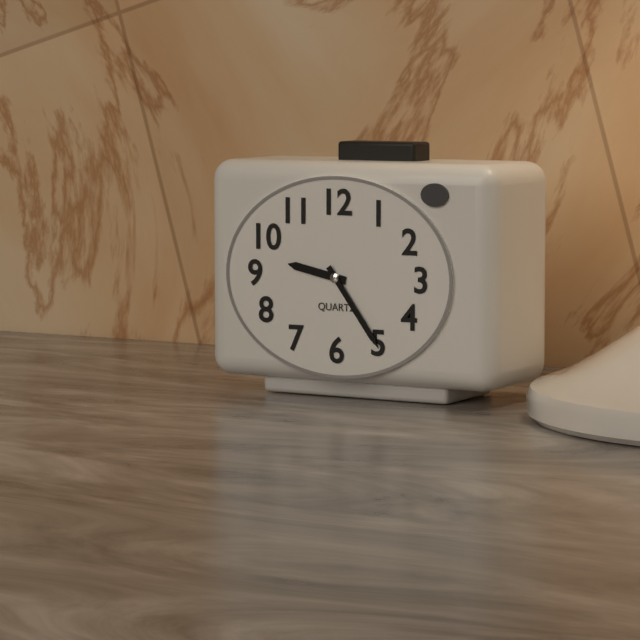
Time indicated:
9 h 24 min
